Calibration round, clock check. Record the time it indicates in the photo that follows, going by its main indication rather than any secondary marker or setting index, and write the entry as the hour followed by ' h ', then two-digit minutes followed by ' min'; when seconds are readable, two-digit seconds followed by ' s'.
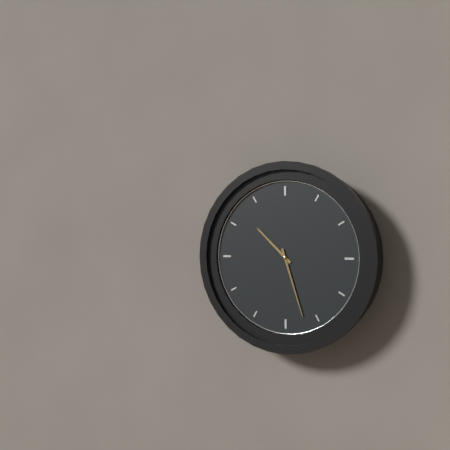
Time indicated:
10 h 27 min
